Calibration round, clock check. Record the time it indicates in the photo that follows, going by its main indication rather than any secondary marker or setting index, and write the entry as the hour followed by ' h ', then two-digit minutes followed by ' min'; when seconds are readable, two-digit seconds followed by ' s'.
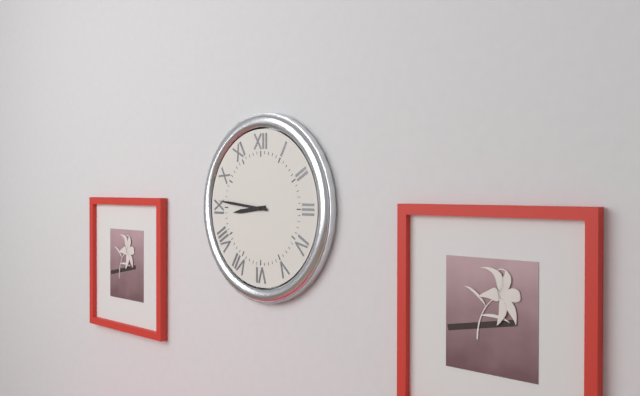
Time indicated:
8 h 46 min
